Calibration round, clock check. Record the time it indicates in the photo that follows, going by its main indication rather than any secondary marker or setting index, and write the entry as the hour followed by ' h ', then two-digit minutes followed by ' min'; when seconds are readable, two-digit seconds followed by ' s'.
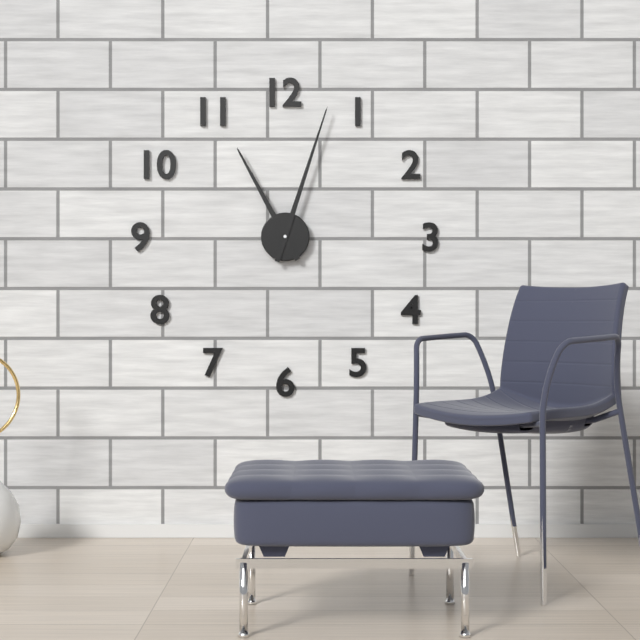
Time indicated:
11 h 03 min
